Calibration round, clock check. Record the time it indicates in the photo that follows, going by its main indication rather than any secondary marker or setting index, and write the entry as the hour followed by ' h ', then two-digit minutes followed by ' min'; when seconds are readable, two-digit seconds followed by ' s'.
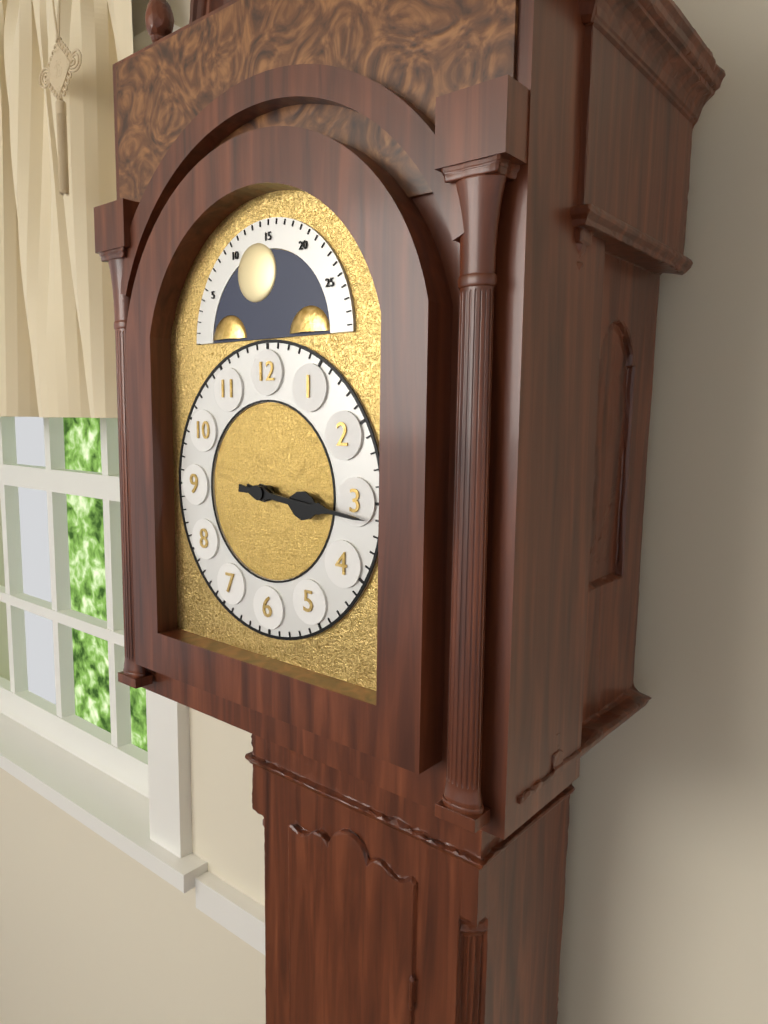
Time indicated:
3 h 16 min
